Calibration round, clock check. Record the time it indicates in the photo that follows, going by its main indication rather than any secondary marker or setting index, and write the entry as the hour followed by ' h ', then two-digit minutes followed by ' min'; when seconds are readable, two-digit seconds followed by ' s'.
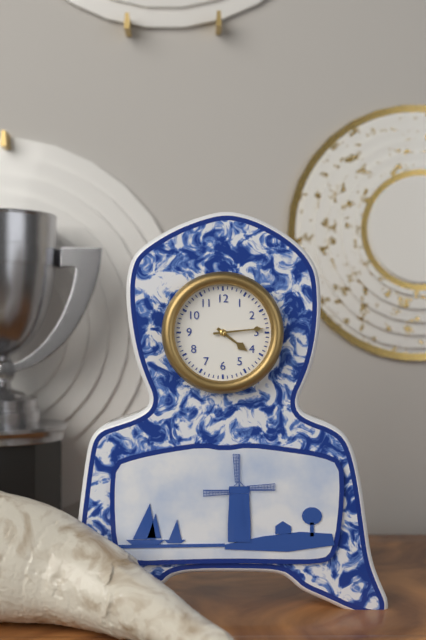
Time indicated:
4 h 14 min
